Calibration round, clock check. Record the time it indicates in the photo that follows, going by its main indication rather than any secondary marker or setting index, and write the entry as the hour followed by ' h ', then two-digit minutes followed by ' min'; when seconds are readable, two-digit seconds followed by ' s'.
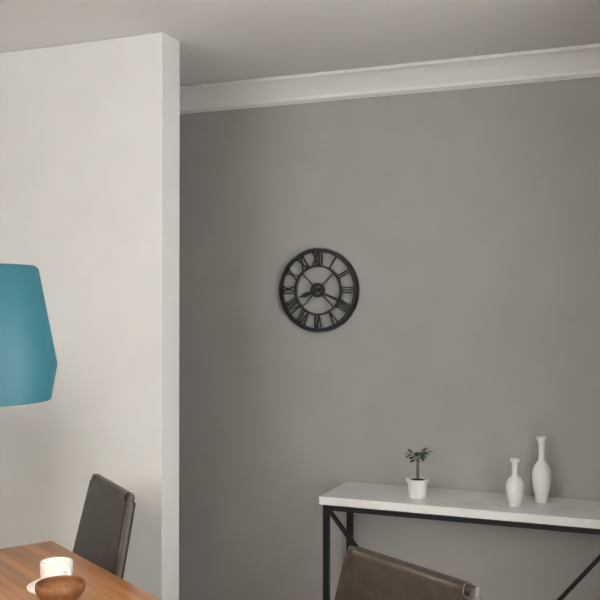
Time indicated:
8 h 19 min
